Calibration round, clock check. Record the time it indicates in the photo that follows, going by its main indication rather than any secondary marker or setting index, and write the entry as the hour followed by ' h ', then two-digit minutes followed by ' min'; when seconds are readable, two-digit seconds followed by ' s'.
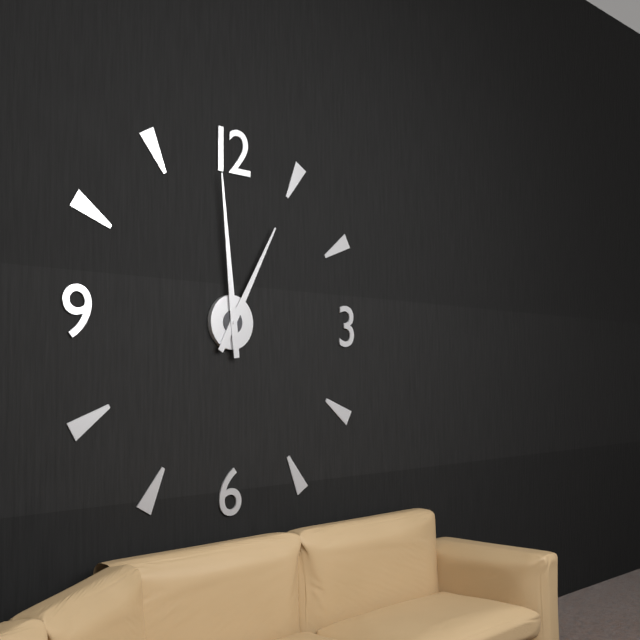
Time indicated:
12 h 59 min
